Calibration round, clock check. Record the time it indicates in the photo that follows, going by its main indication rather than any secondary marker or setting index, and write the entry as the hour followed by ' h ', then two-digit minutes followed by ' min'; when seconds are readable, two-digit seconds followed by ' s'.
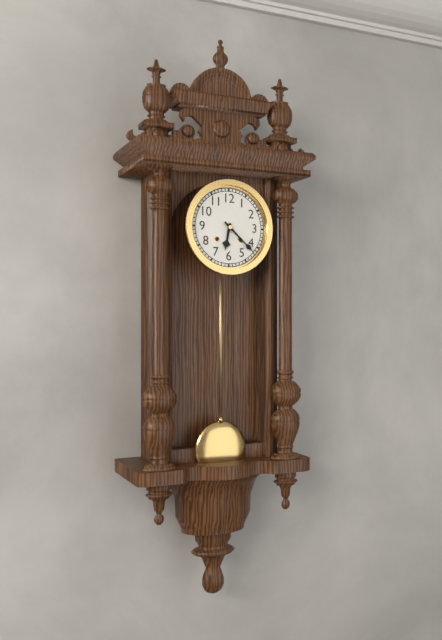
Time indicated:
6 h 22 min
